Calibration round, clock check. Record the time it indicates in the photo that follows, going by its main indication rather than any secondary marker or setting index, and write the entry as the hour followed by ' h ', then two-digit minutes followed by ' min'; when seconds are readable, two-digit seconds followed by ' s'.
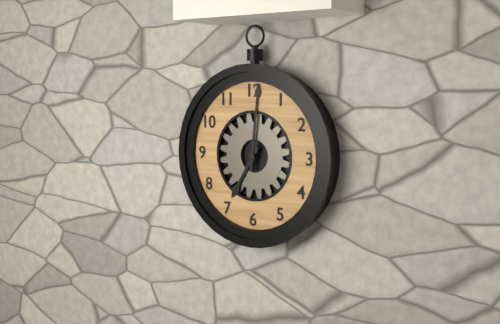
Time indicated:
7 h 01 min
